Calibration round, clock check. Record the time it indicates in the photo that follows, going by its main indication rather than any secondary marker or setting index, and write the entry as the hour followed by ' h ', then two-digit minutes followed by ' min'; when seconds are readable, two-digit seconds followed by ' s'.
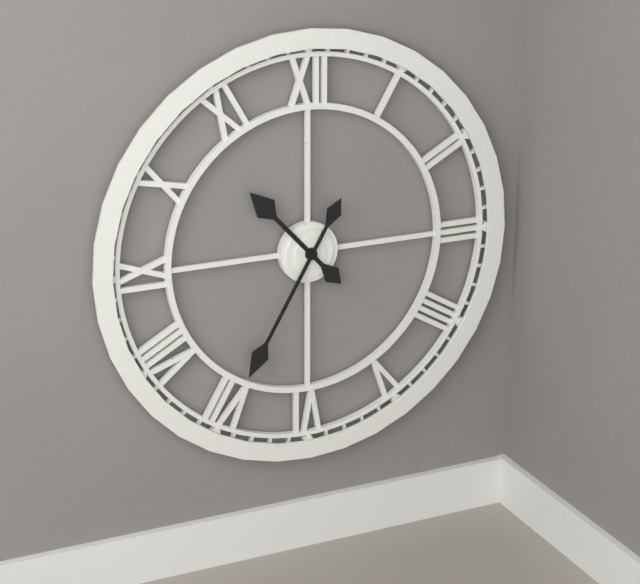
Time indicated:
10 h 35 min
